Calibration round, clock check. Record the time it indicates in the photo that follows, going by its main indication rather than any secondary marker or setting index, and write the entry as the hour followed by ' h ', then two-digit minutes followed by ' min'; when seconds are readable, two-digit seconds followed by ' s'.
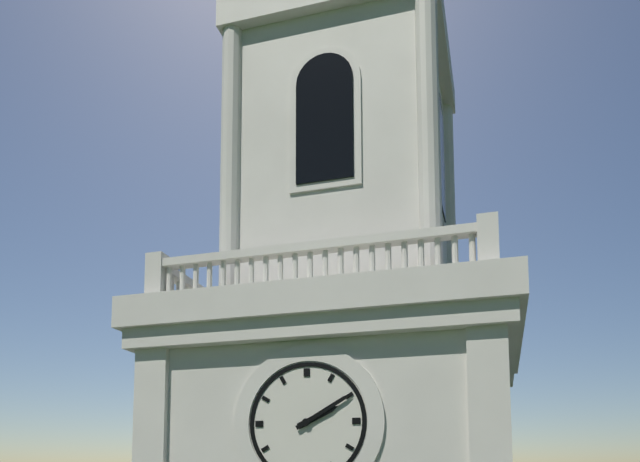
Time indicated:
2 h 10 min
